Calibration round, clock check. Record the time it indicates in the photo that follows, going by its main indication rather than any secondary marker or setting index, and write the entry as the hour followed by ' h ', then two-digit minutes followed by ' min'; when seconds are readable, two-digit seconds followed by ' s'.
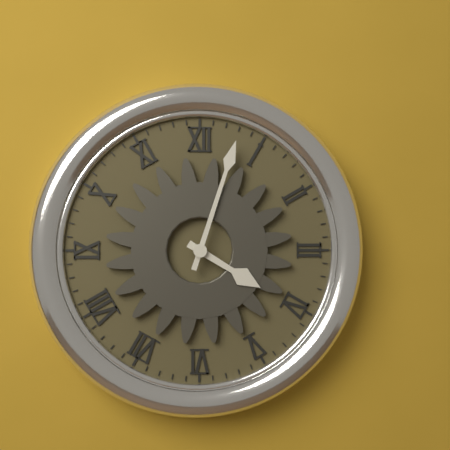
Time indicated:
4 h 03 min
